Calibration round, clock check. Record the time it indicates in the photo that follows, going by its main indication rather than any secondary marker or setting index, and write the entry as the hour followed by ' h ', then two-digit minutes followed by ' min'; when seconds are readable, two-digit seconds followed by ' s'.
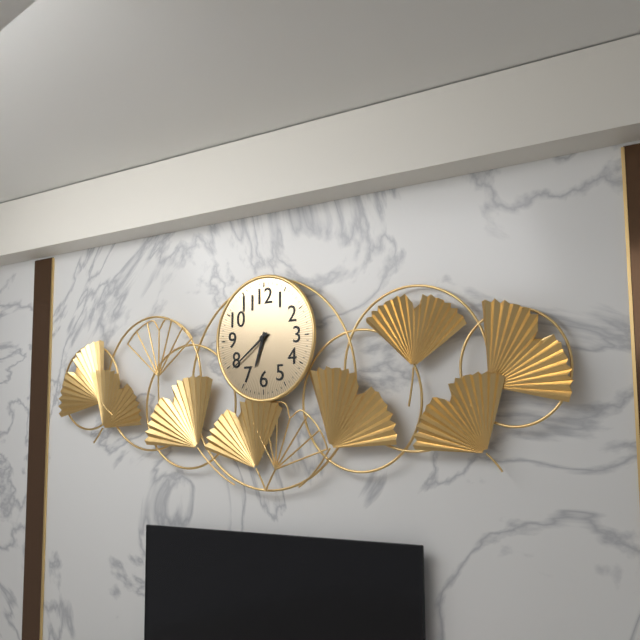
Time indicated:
6 h 39 min
